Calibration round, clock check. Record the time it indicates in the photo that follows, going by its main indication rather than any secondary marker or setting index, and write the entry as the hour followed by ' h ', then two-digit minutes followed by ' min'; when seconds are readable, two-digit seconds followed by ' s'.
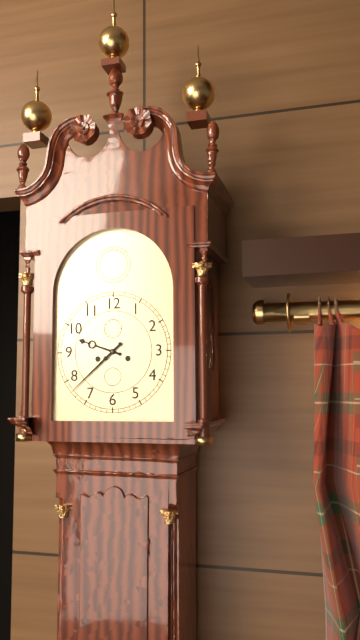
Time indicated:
9 h 38 min
